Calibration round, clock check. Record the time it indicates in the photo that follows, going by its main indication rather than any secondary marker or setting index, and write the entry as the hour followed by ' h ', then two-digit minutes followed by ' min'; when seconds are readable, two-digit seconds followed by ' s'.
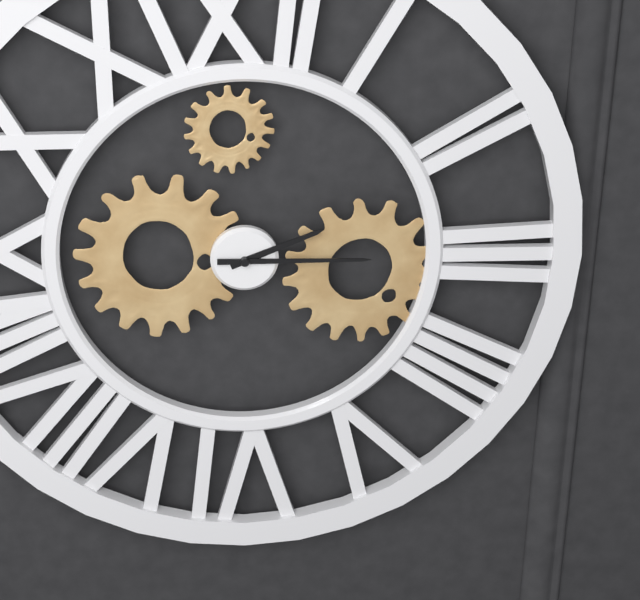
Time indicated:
2 h 15 min
